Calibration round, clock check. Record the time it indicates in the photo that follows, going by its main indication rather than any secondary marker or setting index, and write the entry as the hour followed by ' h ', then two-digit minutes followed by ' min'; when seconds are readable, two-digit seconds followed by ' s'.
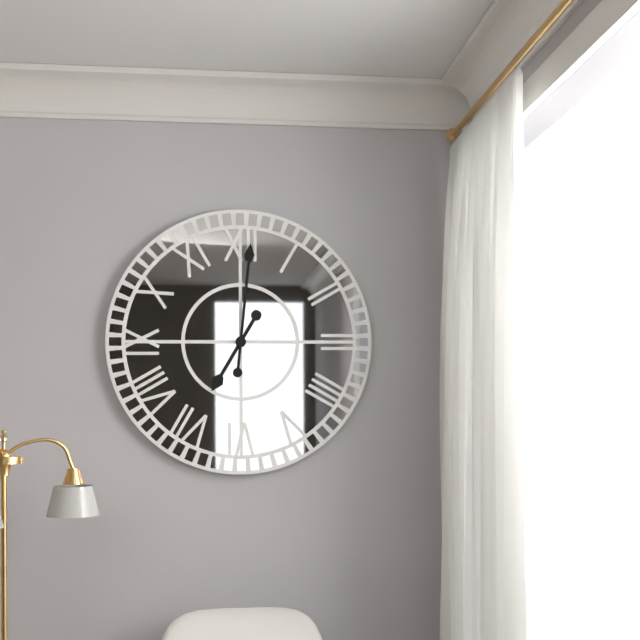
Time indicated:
7 h 01 min
